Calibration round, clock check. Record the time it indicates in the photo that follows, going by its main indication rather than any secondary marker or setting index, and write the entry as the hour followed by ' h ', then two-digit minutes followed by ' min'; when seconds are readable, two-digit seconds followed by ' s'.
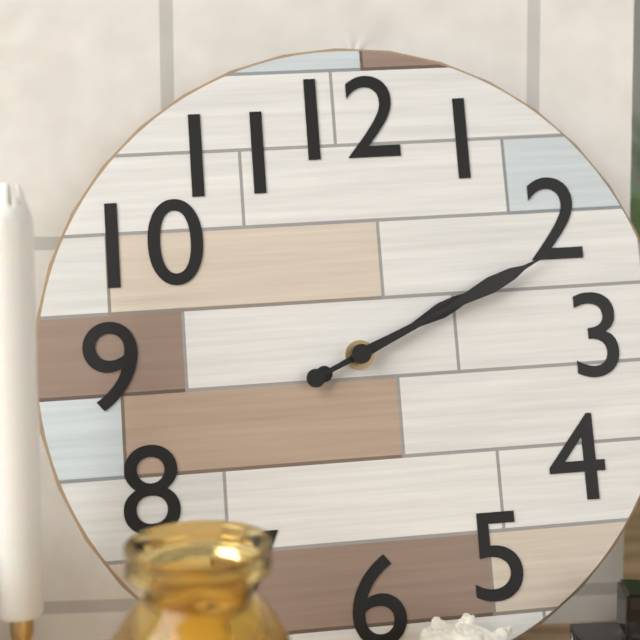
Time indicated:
2 h 11 min
